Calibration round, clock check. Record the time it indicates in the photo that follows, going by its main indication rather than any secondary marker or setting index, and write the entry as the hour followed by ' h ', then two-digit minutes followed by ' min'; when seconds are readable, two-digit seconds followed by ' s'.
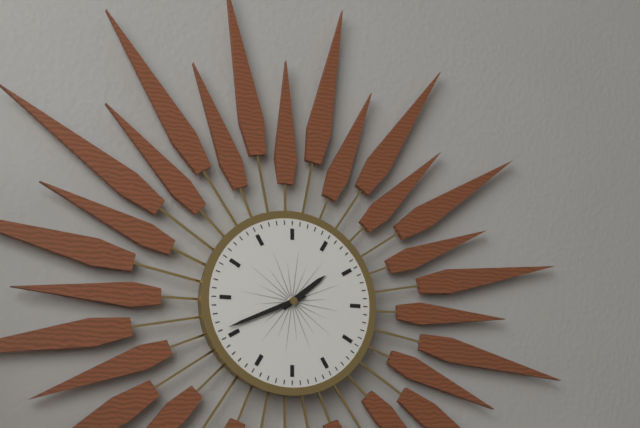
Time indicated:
1 h 41 min
